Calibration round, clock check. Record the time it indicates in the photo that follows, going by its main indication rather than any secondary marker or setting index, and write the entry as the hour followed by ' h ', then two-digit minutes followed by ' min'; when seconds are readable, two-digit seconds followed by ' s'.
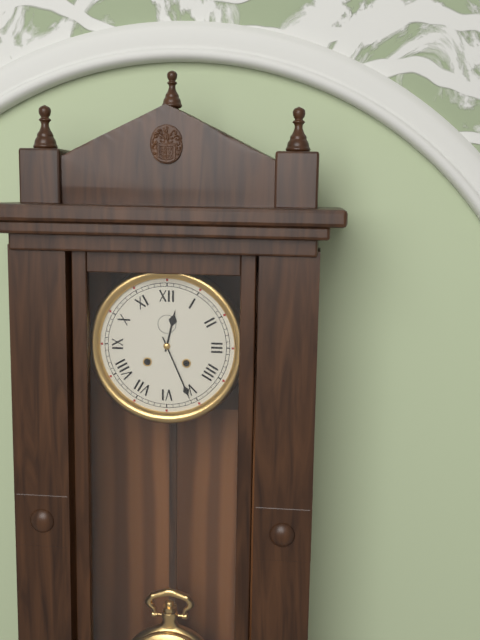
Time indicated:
12 h 26 min
